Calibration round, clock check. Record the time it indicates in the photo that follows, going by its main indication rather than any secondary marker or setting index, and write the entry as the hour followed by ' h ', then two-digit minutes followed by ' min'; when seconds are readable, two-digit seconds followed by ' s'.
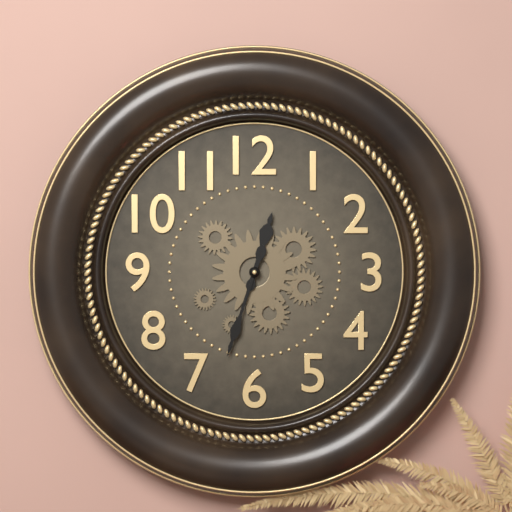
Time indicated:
12 h 33 min
